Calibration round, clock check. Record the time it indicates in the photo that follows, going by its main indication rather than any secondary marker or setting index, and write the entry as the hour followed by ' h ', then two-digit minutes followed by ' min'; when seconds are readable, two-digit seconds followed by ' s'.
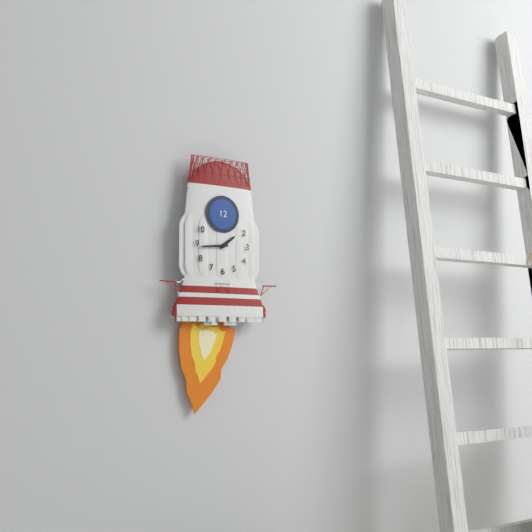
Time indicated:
1 h 44 min
